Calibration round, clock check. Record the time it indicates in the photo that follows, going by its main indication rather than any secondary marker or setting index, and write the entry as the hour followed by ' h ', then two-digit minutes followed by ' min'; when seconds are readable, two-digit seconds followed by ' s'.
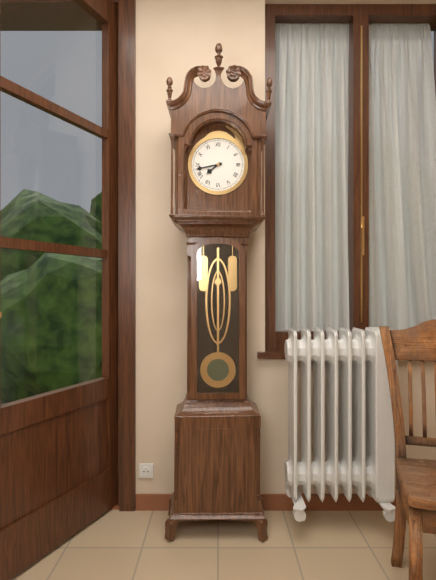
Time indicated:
7 h 43 min
